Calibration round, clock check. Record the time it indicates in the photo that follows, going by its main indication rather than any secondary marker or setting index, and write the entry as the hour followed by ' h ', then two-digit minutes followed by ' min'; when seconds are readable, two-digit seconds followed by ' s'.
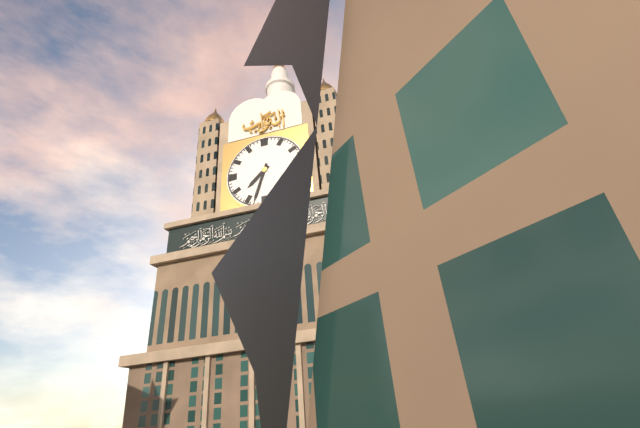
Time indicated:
7 h 33 min
